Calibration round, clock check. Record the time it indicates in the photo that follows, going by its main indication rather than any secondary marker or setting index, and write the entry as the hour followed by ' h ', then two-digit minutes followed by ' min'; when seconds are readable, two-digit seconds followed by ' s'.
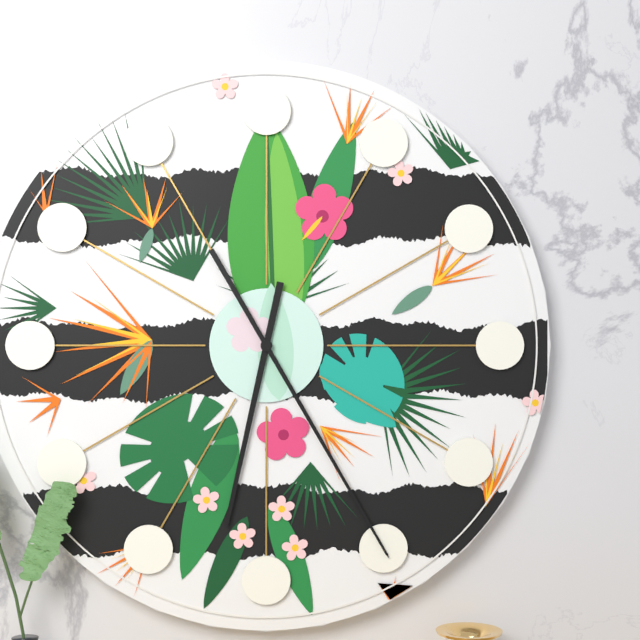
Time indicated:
6 h 25 min
